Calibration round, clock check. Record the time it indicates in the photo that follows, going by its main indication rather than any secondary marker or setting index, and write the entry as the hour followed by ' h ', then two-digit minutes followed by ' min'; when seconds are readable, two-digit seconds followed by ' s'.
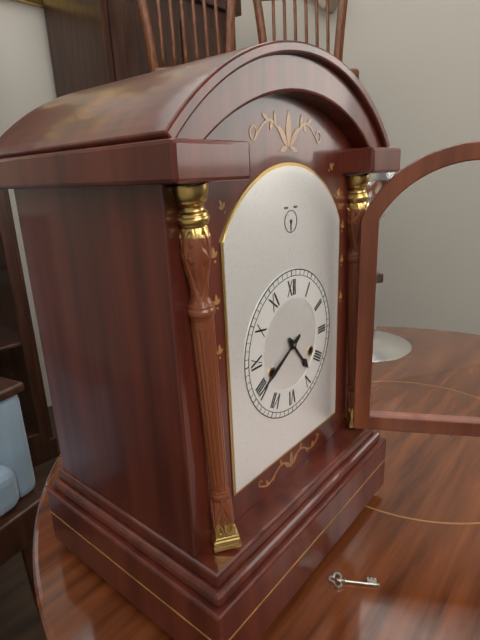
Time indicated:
4 h 40 min
